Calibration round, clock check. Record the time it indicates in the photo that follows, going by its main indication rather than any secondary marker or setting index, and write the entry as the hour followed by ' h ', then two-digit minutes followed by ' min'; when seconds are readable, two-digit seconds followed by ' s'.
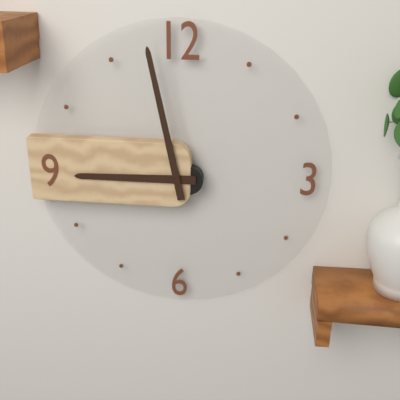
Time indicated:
8 h 58 min
